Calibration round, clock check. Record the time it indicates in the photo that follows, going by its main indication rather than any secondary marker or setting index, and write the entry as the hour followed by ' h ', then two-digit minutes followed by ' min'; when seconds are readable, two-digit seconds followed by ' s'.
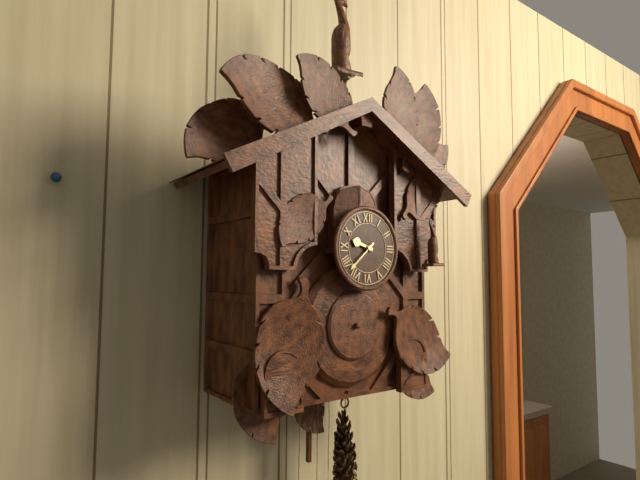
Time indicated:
9 h 38 min
